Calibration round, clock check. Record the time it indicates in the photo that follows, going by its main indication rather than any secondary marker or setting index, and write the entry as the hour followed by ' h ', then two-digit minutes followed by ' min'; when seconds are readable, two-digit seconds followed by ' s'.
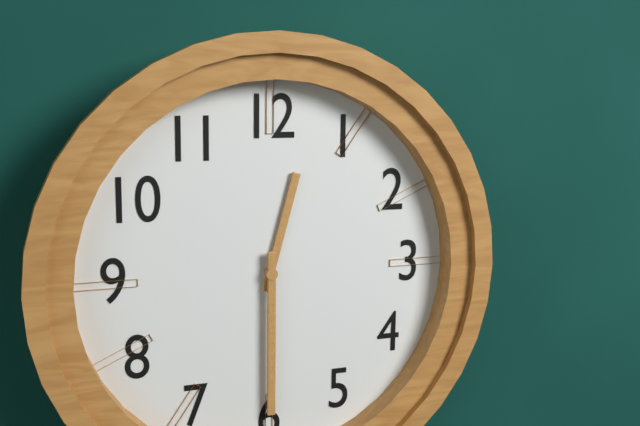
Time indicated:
12 h 30 min
